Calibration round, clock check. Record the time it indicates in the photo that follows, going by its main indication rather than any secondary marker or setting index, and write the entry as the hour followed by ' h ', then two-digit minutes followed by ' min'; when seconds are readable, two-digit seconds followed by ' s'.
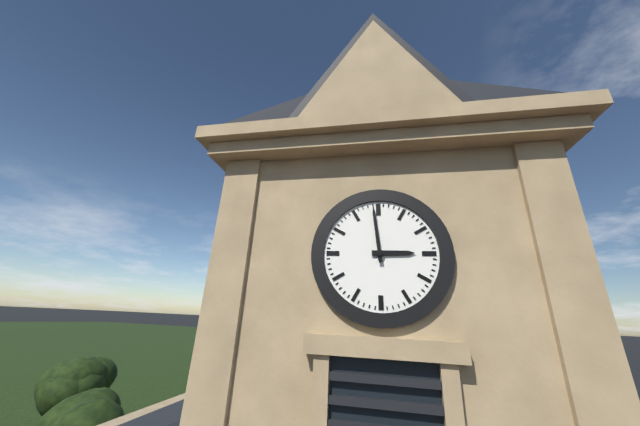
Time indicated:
2 h 59 min
